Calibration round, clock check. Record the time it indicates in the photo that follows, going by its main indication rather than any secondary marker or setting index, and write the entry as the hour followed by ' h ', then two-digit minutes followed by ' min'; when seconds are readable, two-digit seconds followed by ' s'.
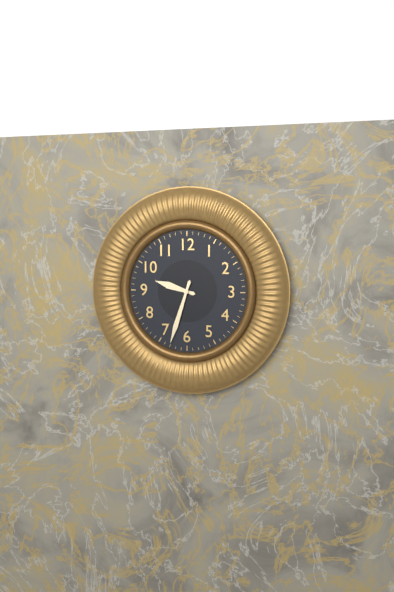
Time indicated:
9 h 33 min
